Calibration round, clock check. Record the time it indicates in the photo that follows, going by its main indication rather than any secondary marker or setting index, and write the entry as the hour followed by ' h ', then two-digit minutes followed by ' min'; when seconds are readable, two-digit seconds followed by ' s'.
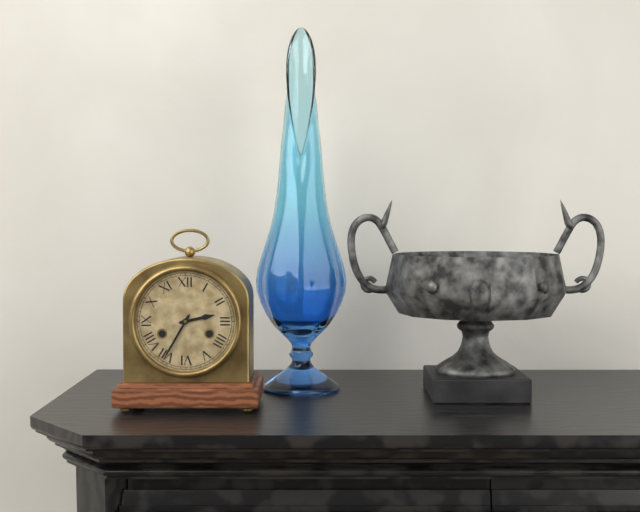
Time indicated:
2 h 35 min
